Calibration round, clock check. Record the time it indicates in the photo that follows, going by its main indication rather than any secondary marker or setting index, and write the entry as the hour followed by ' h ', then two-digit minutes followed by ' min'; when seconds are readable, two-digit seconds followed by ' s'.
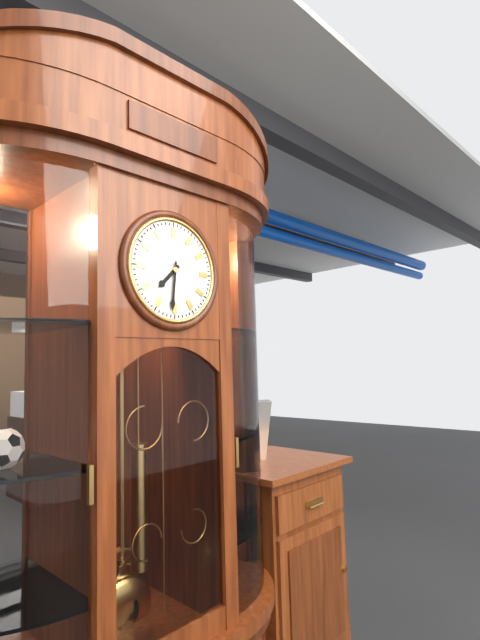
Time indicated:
7 h 31 min
